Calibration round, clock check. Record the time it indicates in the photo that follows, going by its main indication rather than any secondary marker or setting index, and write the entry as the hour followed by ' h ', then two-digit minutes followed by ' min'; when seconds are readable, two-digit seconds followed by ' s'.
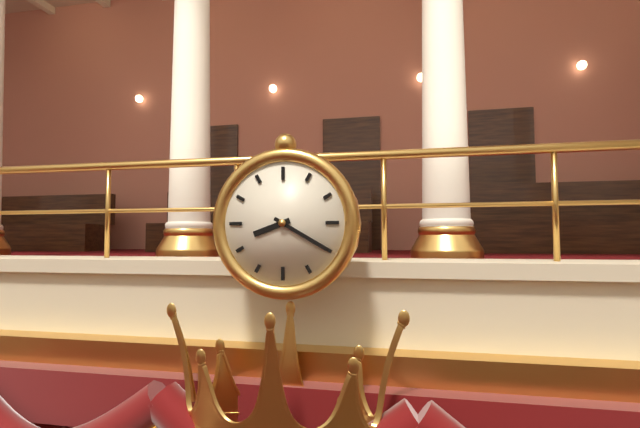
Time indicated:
8 h 20 min
